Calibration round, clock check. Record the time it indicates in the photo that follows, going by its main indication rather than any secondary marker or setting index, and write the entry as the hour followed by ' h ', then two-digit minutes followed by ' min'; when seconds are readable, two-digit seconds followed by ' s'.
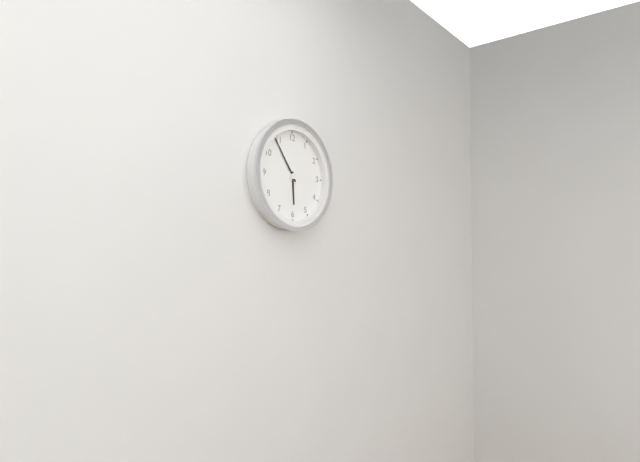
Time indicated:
5 h 54 min
